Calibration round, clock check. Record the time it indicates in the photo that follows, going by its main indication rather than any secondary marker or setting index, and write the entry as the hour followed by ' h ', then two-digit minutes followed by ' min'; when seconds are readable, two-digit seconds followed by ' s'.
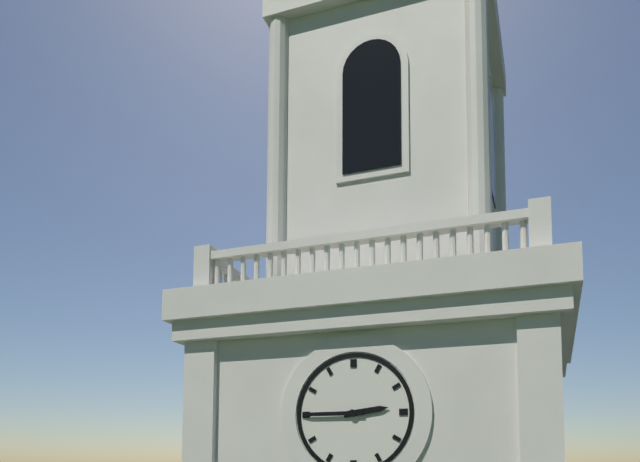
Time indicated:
2 h 45 min
